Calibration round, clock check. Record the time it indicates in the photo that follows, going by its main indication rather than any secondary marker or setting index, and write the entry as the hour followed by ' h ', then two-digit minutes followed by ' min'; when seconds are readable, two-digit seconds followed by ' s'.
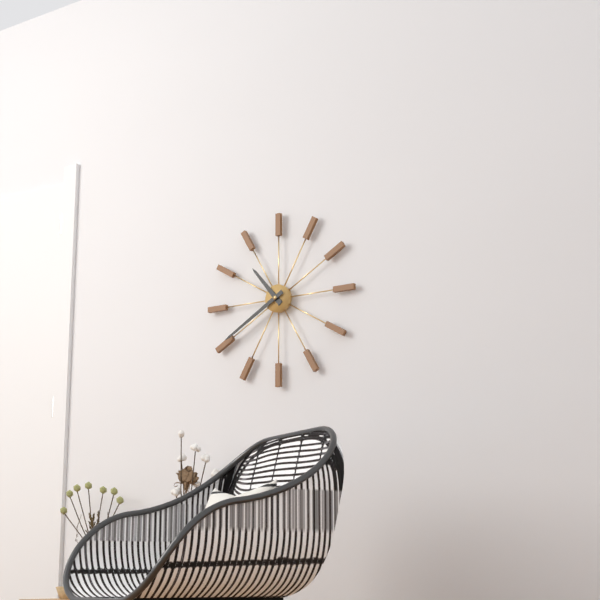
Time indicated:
10 h 40 min
